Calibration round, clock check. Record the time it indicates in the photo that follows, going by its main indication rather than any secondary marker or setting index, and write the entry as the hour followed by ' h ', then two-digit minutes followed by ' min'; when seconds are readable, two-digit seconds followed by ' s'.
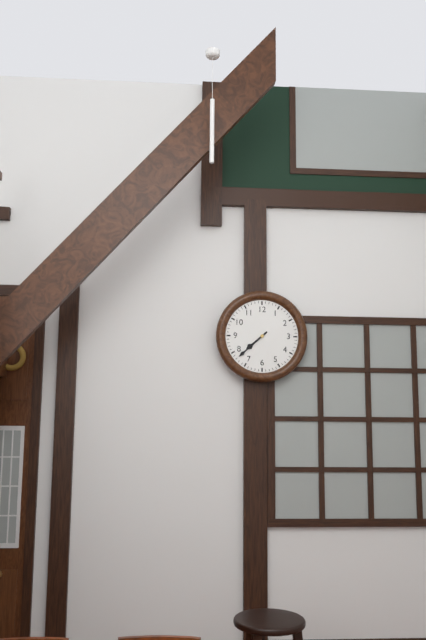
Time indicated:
7 h 38 min
